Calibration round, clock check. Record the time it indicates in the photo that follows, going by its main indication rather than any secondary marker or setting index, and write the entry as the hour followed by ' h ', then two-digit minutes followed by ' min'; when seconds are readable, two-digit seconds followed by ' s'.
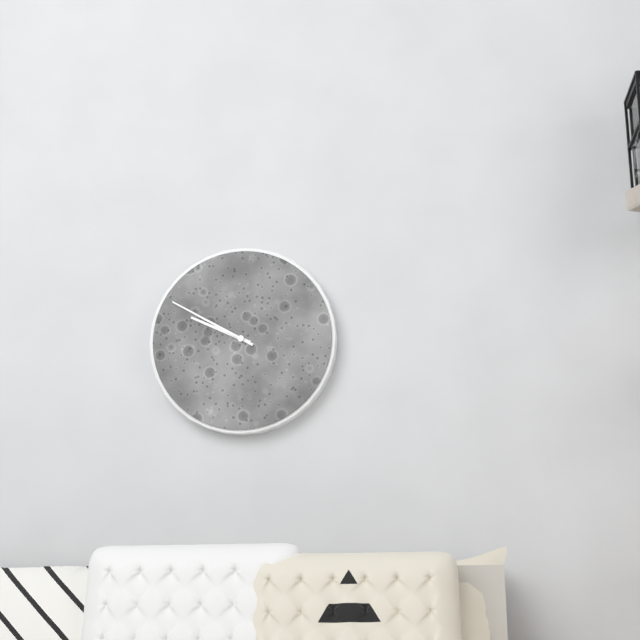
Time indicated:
9 h 50 min
